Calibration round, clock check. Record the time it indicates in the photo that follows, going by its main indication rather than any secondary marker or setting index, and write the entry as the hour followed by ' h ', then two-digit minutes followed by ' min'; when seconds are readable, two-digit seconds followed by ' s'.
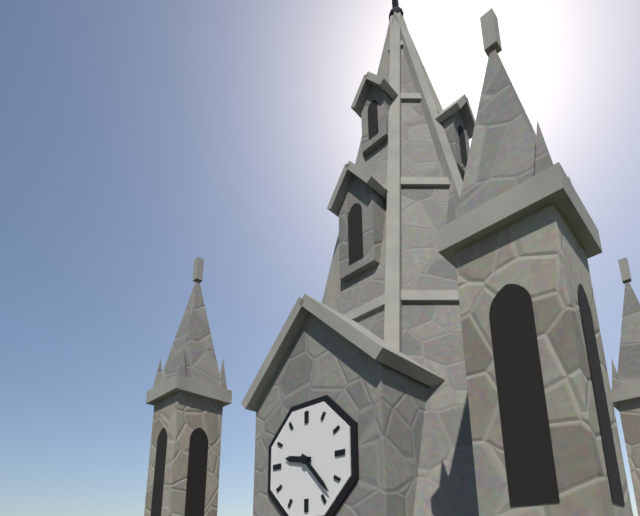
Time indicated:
9 h 23 min
